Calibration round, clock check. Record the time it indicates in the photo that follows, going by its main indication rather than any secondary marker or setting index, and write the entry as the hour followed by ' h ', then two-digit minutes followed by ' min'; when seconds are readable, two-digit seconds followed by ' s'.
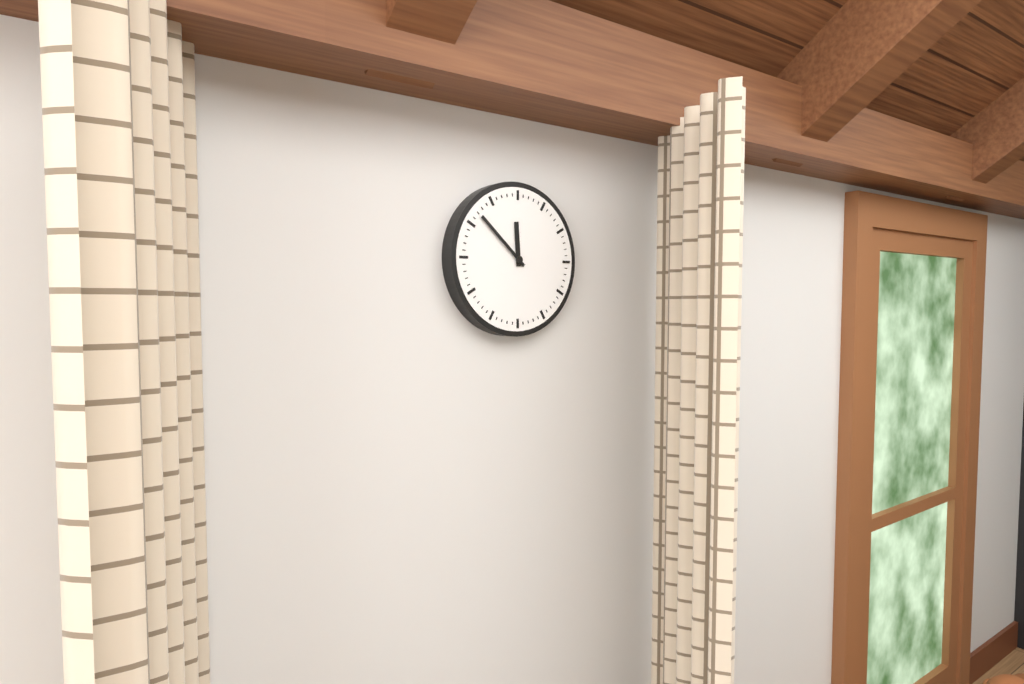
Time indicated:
11 h 52 min
